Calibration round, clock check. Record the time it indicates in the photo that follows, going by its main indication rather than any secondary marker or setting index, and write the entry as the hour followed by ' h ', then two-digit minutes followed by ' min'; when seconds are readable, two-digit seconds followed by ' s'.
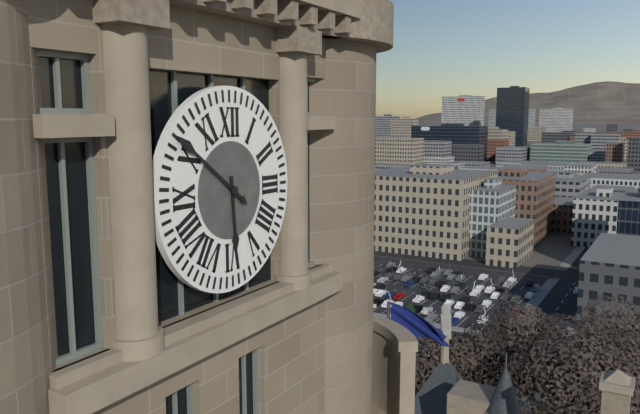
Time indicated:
5 h 51 min
